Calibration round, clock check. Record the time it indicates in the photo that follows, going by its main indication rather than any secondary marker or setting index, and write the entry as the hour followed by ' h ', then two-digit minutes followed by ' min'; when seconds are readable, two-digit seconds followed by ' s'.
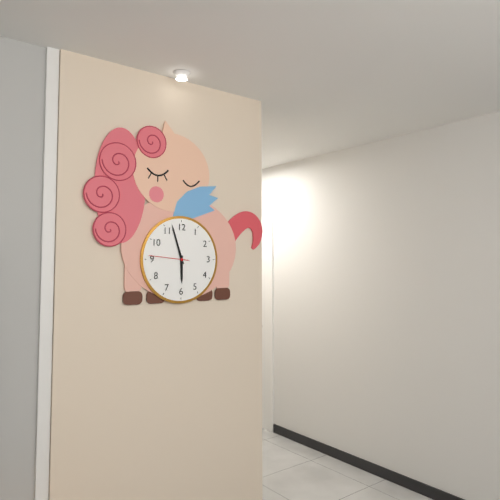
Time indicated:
5 h 57 min
